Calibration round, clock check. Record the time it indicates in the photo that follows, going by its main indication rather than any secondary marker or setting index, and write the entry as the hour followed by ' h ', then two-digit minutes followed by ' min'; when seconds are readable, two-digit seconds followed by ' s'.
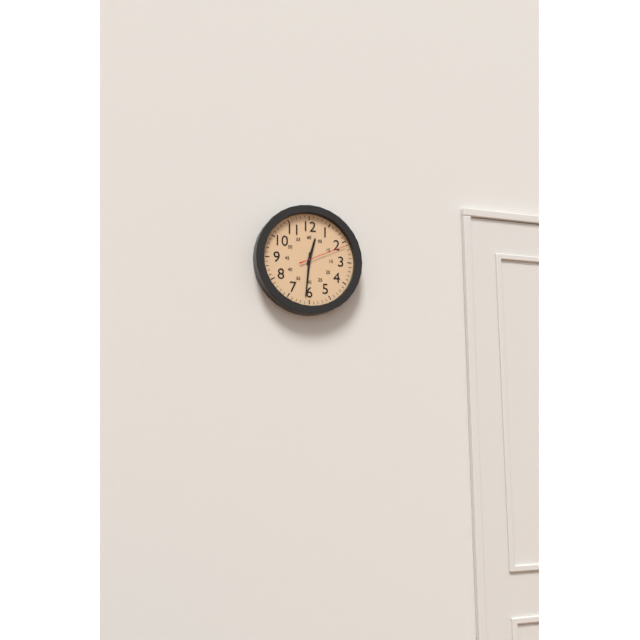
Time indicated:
12 h 31 min
